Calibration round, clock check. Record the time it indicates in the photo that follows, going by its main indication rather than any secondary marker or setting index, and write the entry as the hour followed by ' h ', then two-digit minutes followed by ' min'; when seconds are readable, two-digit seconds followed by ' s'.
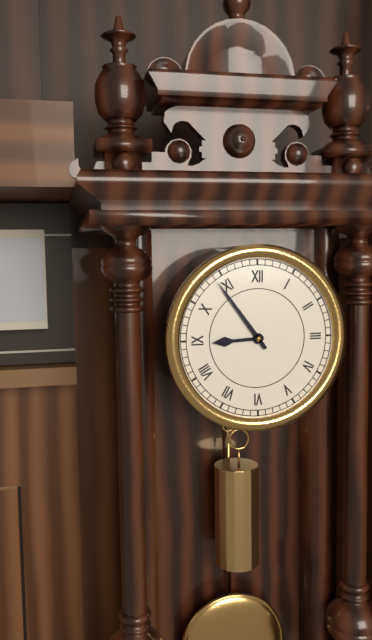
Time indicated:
8 h 54 min
